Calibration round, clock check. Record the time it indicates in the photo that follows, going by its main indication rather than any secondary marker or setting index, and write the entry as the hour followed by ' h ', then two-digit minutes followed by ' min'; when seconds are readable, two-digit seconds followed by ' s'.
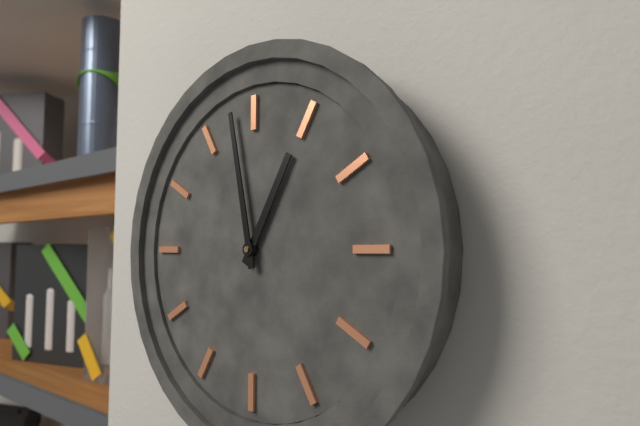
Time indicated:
12 h 58 min
